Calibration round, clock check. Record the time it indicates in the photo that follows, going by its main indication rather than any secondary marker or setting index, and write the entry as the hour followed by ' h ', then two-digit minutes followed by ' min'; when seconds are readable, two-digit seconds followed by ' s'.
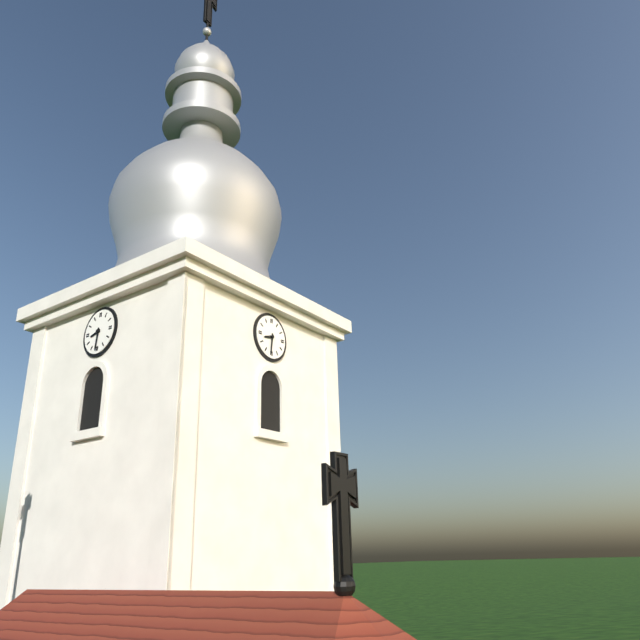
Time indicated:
8 h 31 min
